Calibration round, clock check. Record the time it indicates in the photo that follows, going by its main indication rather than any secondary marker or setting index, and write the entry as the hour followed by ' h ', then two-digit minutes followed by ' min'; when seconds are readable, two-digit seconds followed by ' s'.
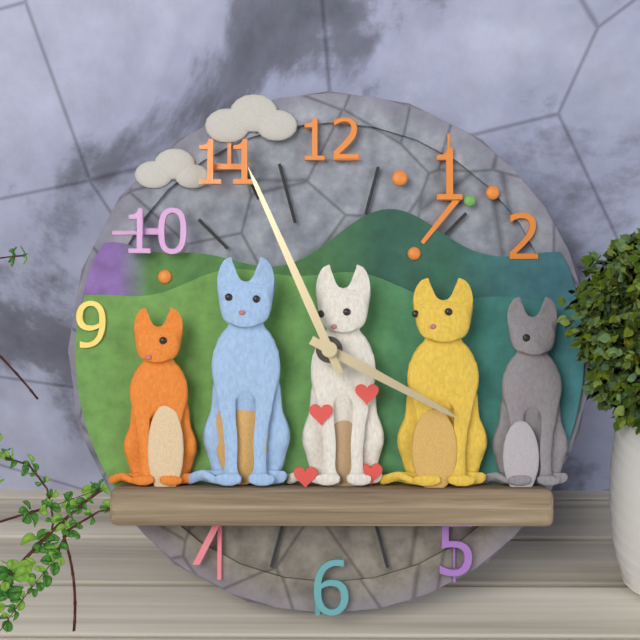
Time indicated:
3 h 56 min
